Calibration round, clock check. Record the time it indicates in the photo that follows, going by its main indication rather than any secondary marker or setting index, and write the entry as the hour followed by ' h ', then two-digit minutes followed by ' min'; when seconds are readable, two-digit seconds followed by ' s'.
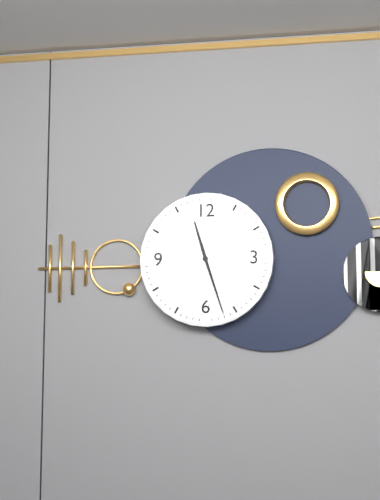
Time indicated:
11 h 27 min
